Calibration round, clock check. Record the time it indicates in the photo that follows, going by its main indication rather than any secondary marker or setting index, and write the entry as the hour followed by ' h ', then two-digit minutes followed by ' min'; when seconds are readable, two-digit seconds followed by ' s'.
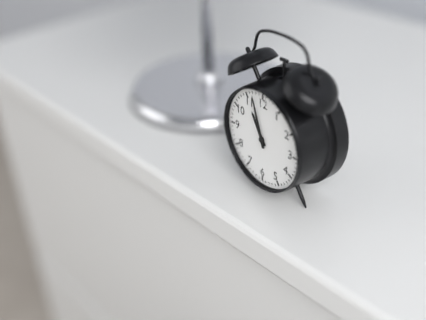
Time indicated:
10 h 57 min
